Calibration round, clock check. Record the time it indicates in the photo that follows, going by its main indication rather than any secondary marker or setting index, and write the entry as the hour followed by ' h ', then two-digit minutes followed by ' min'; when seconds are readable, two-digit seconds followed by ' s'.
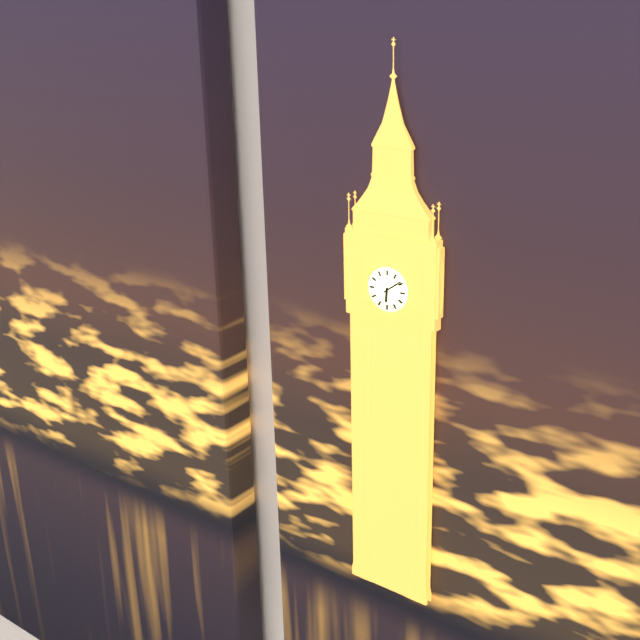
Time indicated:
6 h 09 min
